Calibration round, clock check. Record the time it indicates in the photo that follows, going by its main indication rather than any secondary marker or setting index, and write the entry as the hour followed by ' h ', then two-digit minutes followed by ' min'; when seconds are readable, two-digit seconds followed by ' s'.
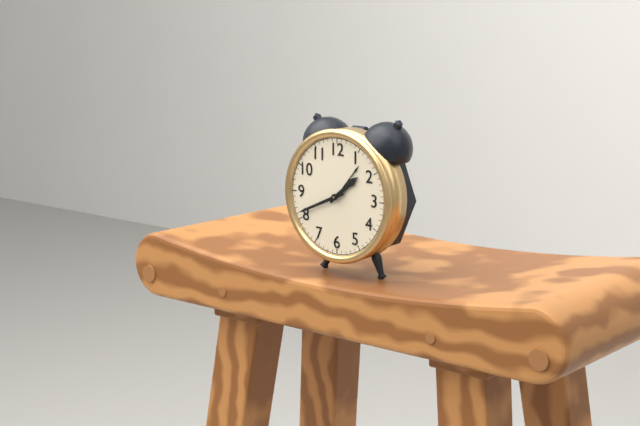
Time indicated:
1 h 41 min
